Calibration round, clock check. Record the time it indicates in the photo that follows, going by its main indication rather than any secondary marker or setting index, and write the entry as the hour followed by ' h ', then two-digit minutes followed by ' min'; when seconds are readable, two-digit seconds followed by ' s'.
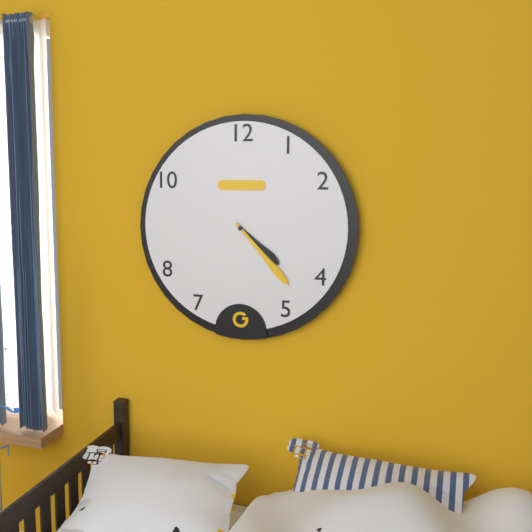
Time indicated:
4 h 23 min
